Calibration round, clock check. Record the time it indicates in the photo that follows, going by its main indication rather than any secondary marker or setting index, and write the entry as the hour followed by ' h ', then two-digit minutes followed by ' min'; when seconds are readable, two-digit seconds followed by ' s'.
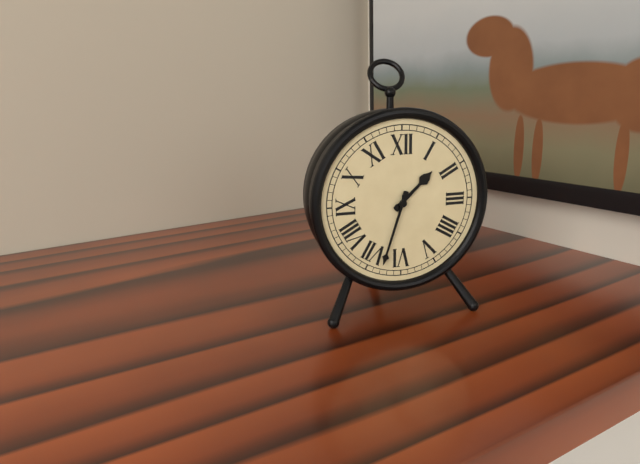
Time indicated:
1 h 33 min
